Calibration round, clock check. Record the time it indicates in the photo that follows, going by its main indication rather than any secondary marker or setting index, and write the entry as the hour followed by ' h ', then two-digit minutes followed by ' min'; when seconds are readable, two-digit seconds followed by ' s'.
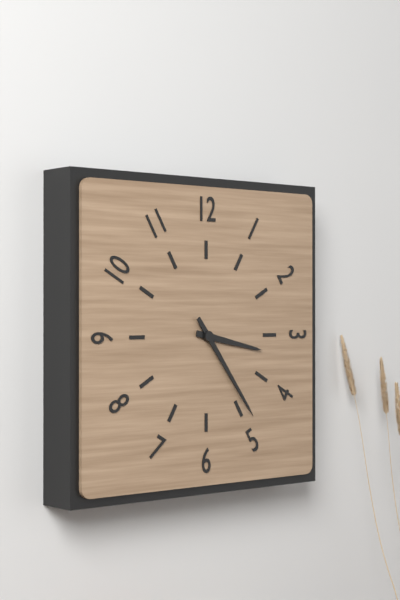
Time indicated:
3 h 24 min
